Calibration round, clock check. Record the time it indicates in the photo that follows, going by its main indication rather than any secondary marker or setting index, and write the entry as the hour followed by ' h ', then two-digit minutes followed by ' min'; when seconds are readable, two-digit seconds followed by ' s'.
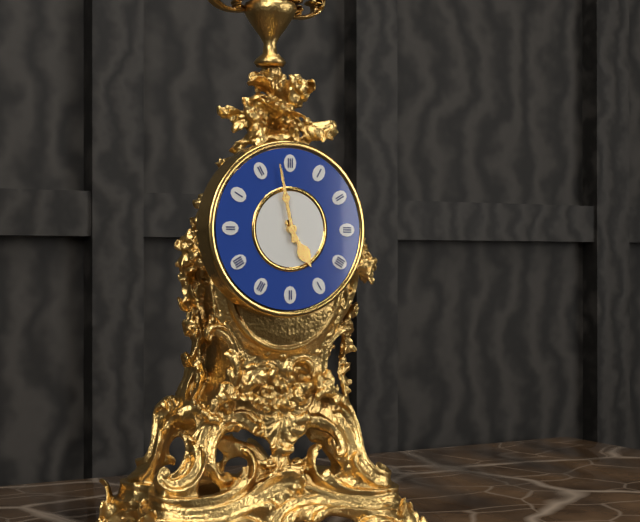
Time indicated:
4 h 58 min
